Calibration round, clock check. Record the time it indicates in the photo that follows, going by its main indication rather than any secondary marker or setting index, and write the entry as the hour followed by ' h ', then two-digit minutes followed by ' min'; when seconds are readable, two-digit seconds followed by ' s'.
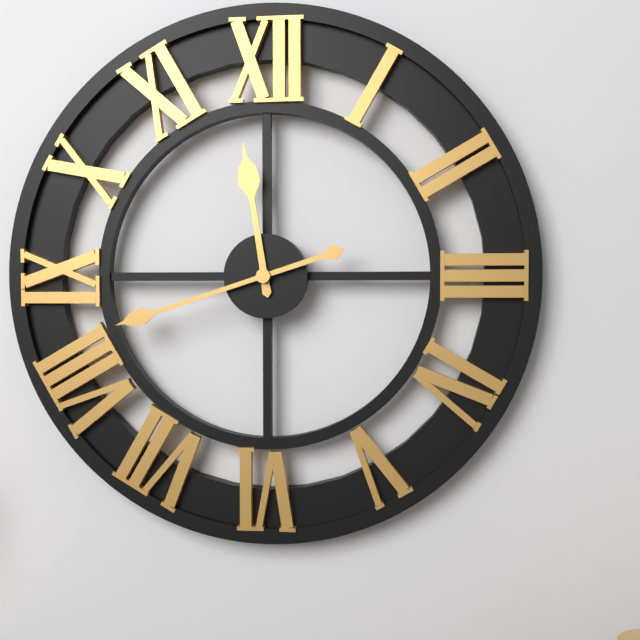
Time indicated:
11 h 42 min
